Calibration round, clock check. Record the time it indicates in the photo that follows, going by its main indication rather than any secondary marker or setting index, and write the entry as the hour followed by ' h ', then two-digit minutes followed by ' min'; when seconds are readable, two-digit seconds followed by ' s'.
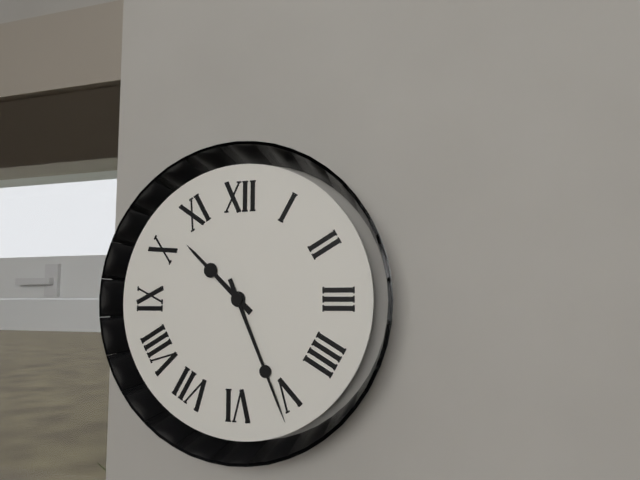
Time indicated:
10 h 26 min
